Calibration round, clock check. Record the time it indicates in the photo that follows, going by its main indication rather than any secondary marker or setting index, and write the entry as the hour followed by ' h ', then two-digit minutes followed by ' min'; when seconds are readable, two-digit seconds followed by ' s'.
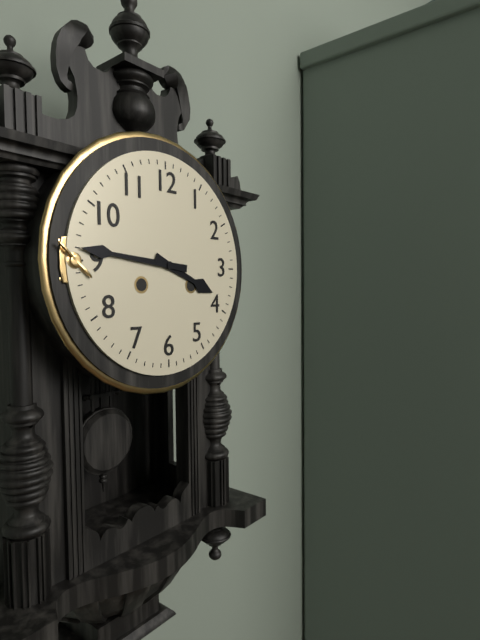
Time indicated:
3 h 46 min
